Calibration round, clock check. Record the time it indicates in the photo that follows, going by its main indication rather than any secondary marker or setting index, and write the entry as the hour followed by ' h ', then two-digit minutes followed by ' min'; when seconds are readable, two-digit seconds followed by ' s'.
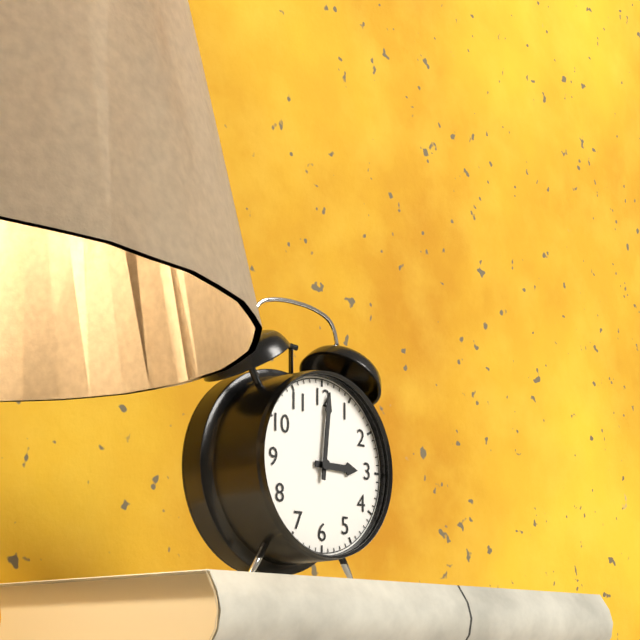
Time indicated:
3 h 01 min
